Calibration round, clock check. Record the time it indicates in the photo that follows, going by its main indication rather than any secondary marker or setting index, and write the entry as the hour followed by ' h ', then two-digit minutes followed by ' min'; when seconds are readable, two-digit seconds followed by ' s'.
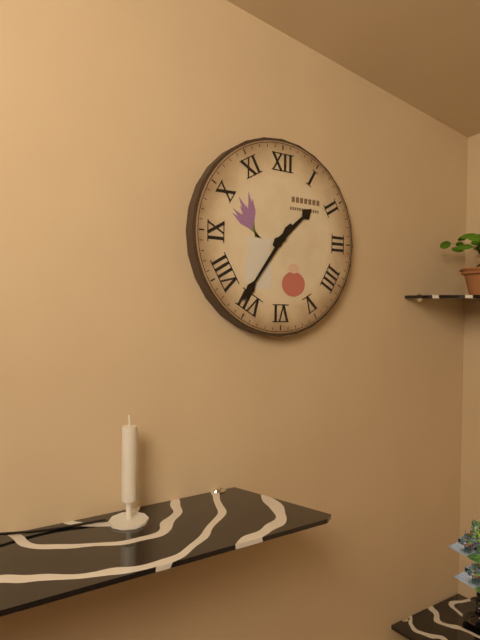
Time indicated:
1 h 36 min
